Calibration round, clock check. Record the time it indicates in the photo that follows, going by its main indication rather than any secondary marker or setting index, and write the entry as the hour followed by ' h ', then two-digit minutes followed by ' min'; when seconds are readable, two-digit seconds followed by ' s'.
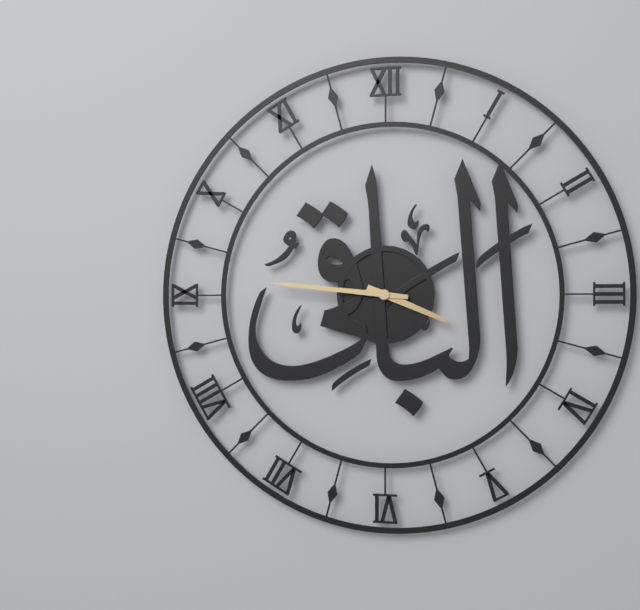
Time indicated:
3 h 46 min
